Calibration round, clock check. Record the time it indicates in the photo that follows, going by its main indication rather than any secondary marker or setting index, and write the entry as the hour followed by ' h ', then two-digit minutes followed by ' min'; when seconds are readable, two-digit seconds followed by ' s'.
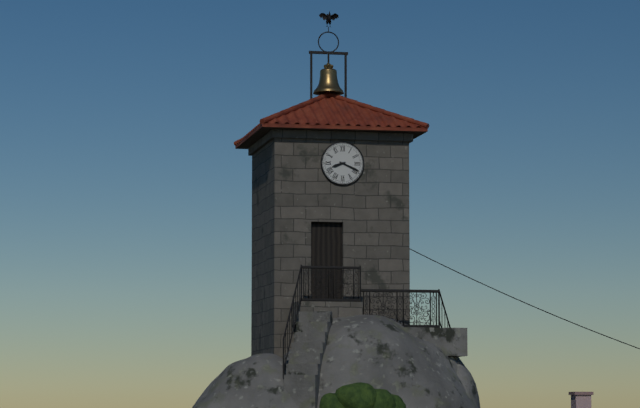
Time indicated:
8 h 19 min
